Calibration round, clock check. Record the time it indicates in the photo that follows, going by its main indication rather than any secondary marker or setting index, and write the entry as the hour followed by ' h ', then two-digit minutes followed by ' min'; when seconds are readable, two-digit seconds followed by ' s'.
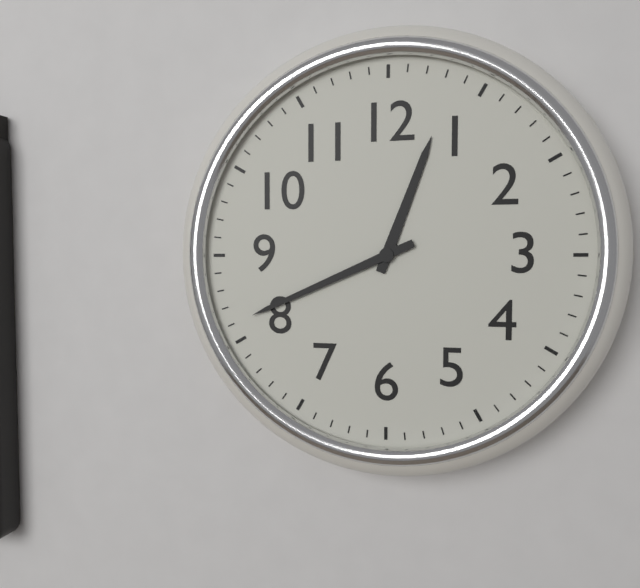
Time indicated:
12 h 41 min
